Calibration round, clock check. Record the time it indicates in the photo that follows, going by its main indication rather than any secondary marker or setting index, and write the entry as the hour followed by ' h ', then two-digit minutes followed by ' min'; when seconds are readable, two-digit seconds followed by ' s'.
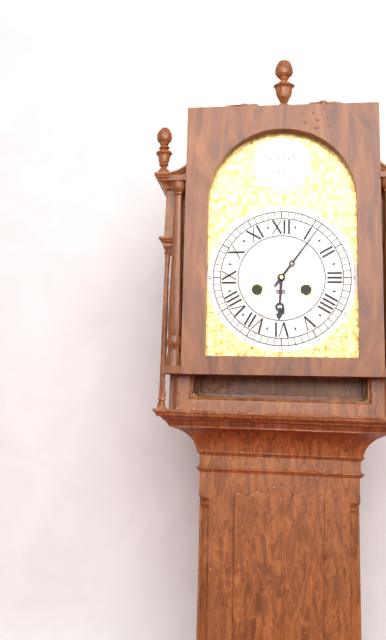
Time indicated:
6 h 06 min
